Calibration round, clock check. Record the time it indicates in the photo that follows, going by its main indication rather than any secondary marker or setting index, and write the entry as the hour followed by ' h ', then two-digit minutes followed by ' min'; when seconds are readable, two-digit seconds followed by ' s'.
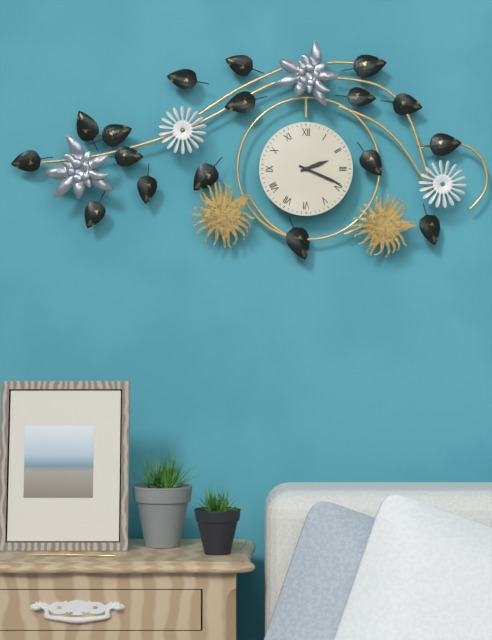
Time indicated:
2 h 19 min
